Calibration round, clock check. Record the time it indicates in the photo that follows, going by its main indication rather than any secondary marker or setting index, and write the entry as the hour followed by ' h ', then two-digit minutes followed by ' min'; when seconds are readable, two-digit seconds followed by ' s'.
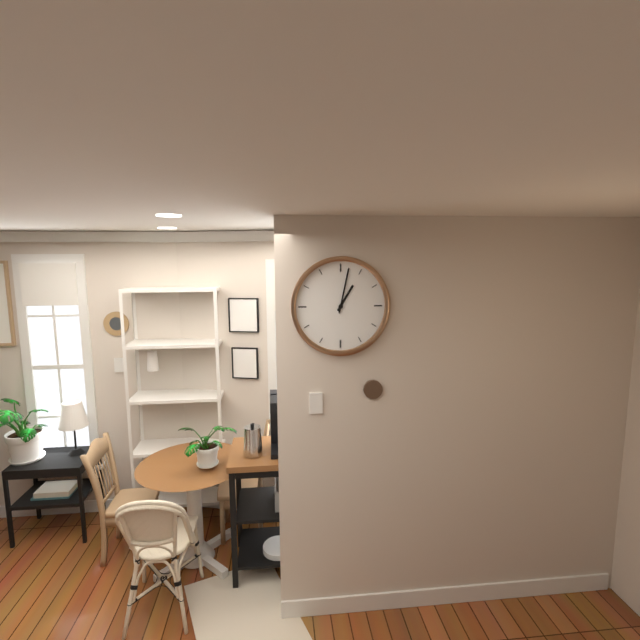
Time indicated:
1 h 02 min
